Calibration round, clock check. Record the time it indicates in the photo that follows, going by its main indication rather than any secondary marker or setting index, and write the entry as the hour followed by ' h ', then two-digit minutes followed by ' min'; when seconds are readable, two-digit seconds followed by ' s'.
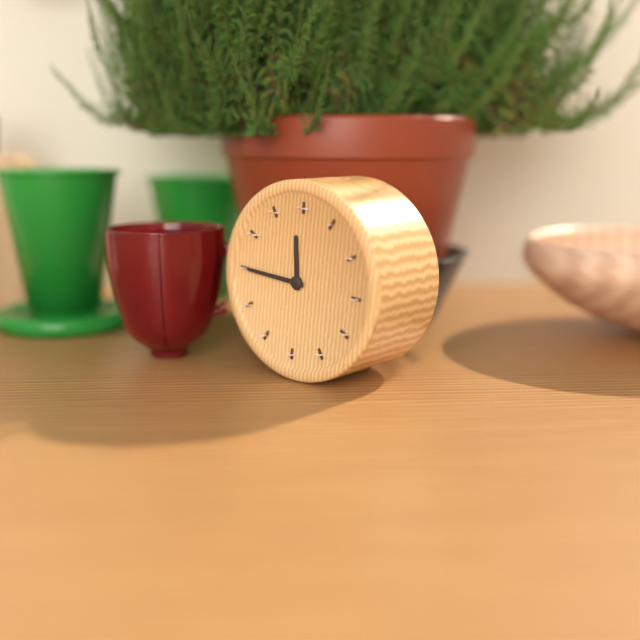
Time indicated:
11 h 45 min
